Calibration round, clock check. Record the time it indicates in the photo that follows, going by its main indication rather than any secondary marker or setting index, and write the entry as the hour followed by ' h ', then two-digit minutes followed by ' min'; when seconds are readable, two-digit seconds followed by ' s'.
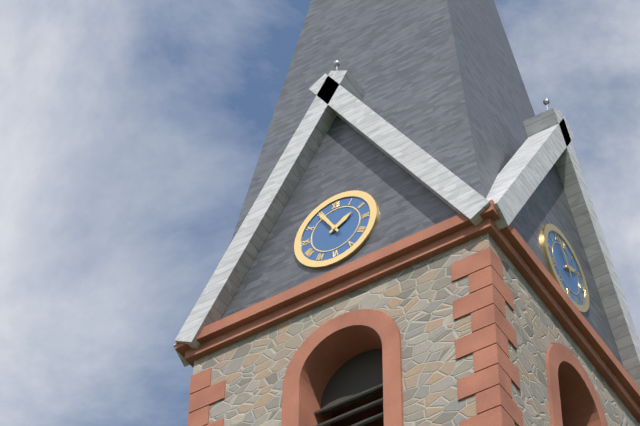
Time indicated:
1 h 55 min
